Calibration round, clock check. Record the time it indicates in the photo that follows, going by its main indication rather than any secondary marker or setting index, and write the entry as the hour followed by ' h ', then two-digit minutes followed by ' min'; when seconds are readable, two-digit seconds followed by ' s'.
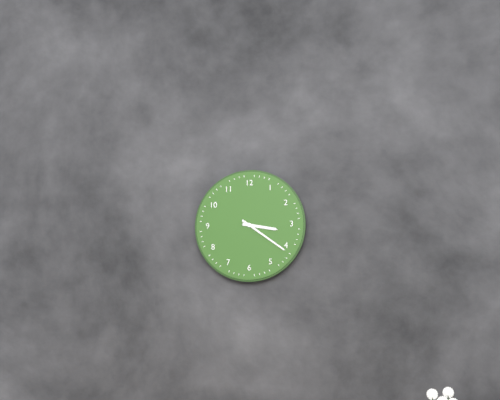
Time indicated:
3 h 21 min
